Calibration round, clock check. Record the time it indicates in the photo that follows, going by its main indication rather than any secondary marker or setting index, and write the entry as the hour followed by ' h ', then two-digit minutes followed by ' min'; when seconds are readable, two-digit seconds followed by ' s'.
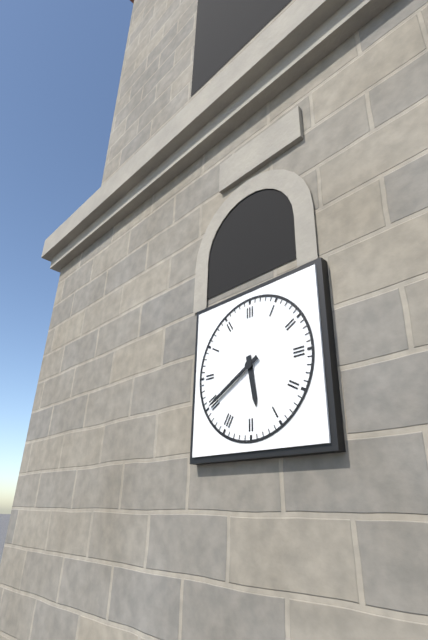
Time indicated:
5 h 40 min
